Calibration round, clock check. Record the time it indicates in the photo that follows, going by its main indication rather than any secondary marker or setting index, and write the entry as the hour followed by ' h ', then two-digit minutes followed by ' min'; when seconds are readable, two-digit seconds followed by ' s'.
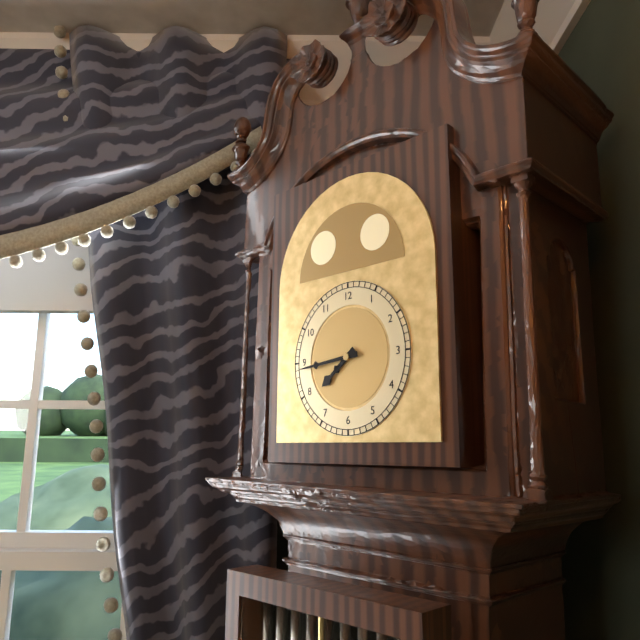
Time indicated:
7 h 44 min
